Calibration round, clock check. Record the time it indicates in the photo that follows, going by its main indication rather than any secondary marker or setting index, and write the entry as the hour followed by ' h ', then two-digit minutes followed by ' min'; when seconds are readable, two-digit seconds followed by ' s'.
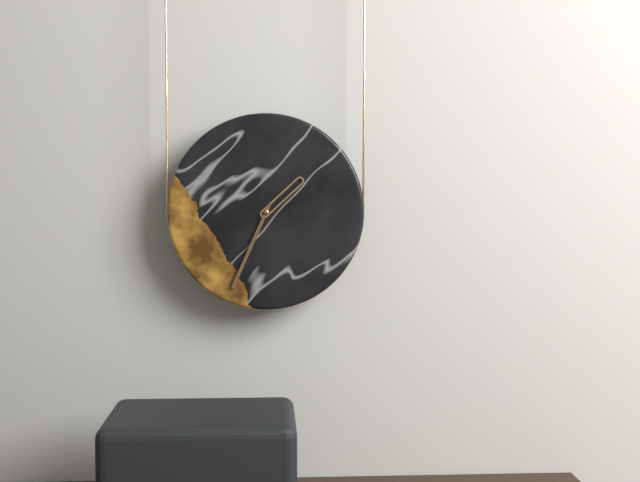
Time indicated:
1 h 34 min
